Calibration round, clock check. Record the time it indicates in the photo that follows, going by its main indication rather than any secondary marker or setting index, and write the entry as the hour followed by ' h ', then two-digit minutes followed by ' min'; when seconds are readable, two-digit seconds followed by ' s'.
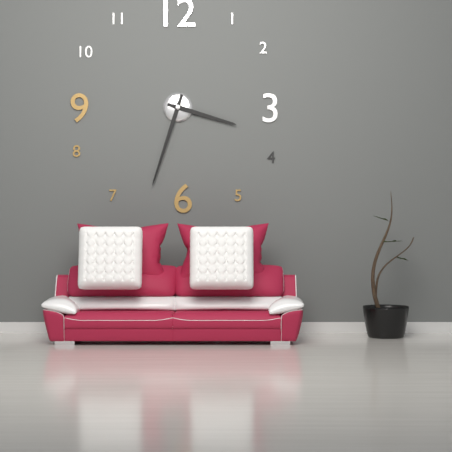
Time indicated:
3 h 33 min
